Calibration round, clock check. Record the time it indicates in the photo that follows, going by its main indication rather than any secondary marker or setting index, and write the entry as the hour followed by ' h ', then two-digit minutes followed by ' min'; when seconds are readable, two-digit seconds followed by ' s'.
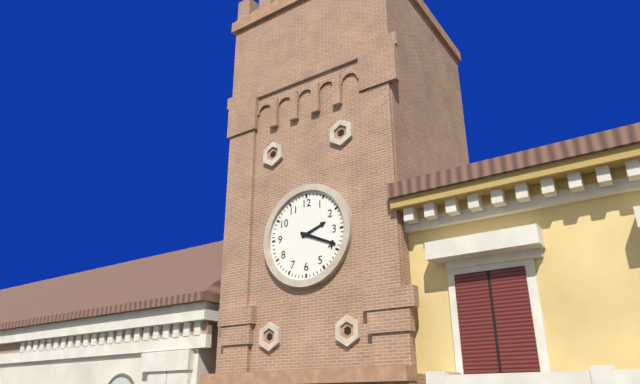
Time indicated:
2 h 19 min
